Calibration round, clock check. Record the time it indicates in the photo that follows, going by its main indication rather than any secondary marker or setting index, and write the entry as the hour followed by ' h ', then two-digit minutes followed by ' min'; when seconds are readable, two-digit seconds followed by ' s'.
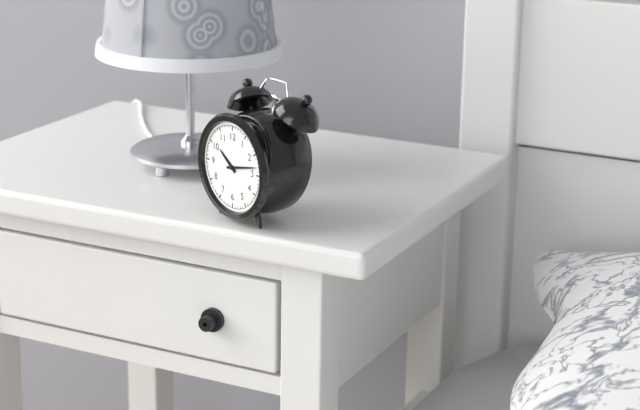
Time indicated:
10 h 13 min
